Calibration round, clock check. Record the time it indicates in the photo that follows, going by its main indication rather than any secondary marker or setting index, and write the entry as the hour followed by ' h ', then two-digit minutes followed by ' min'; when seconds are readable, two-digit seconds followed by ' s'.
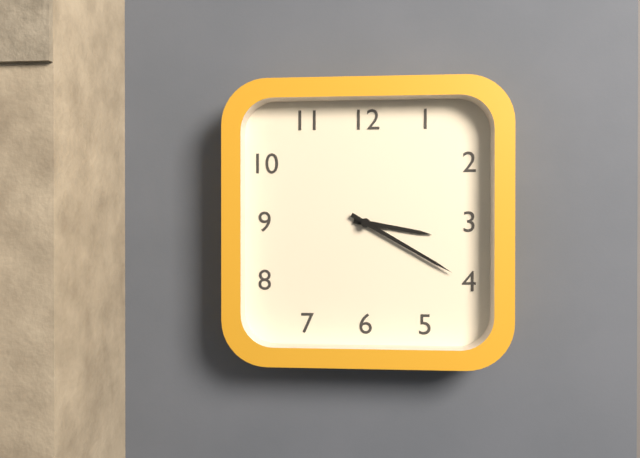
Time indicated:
3 h 20 min
